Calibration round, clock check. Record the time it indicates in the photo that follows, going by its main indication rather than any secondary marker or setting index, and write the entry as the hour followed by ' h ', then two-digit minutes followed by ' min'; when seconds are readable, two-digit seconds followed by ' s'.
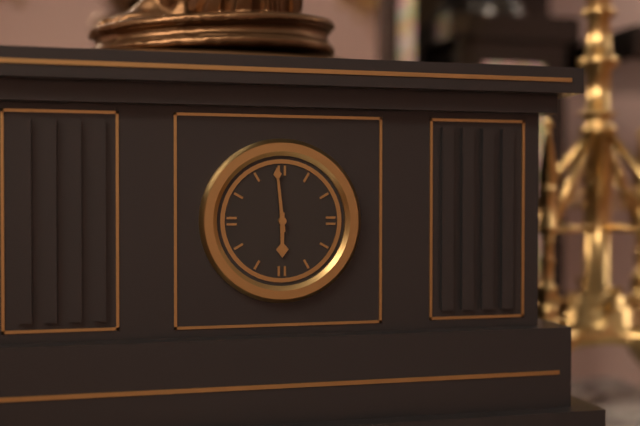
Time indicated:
5 h 59 min
